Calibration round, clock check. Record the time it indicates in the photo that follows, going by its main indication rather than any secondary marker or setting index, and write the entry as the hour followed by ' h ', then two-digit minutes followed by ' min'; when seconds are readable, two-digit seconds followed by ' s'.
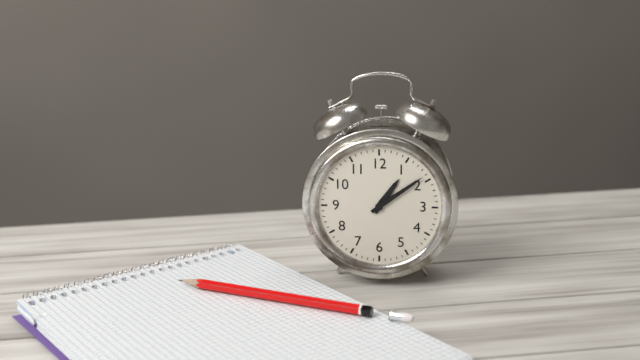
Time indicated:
1 h 09 min
